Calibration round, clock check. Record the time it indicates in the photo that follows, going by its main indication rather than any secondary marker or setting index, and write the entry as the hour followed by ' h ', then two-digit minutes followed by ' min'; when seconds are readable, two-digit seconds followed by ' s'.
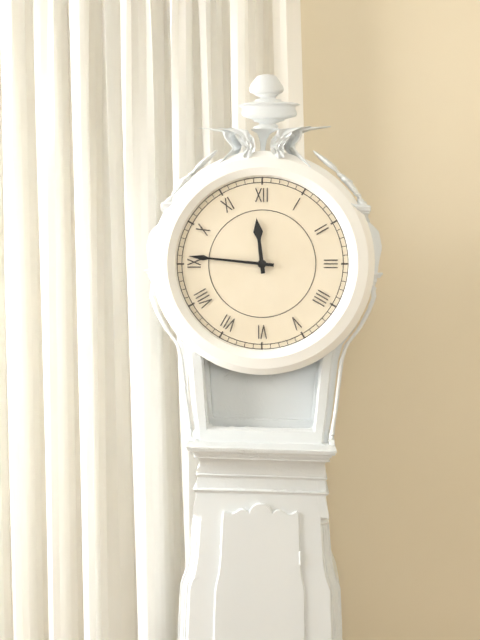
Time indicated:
11 h 46 min
